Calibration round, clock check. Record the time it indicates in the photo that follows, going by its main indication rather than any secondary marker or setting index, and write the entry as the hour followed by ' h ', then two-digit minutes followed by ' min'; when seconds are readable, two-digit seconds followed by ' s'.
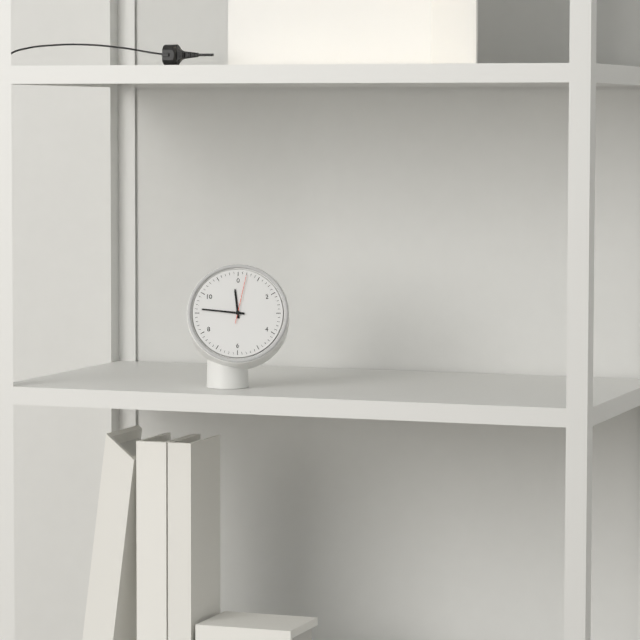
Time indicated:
11 h 46 min
